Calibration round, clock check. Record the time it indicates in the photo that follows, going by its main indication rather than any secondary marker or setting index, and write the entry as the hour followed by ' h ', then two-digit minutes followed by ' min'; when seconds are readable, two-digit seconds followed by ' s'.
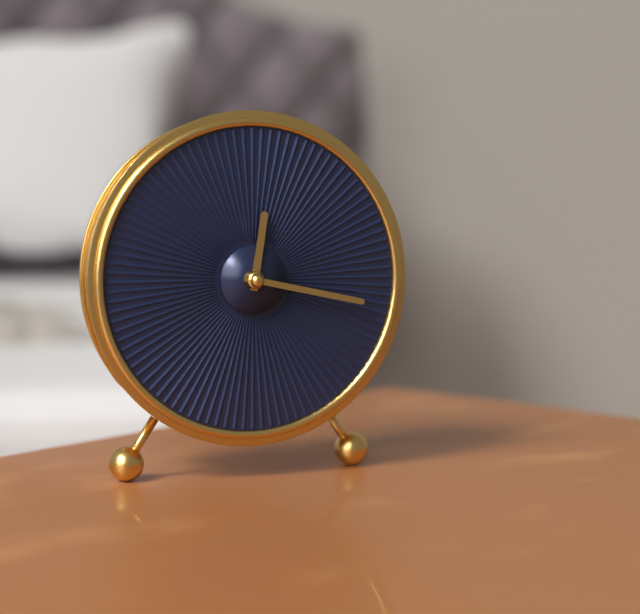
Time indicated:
12 h 17 min
